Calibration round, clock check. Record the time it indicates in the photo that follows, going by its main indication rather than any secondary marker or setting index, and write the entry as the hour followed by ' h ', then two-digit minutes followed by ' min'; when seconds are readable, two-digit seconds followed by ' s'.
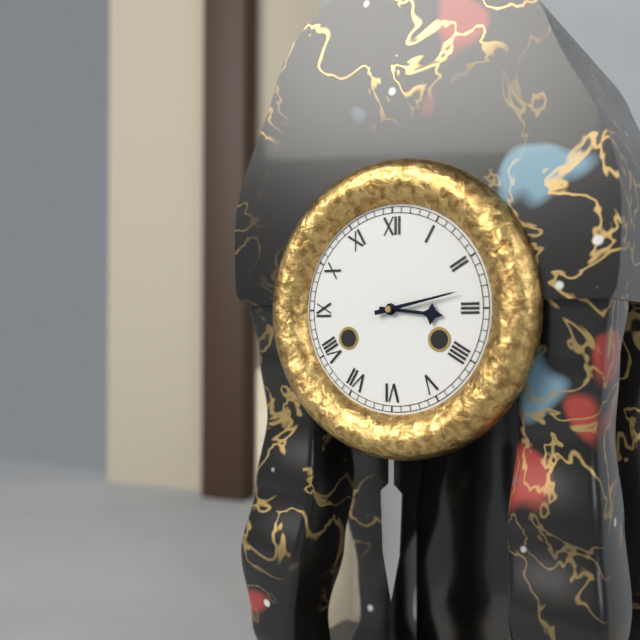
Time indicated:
3 h 13 min
